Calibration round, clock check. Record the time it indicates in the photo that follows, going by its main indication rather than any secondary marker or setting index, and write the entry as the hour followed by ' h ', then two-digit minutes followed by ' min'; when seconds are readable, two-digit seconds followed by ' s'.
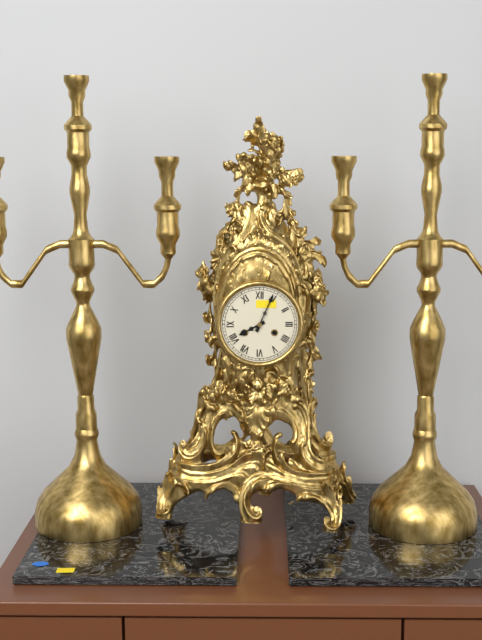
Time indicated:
8 h 04 min
